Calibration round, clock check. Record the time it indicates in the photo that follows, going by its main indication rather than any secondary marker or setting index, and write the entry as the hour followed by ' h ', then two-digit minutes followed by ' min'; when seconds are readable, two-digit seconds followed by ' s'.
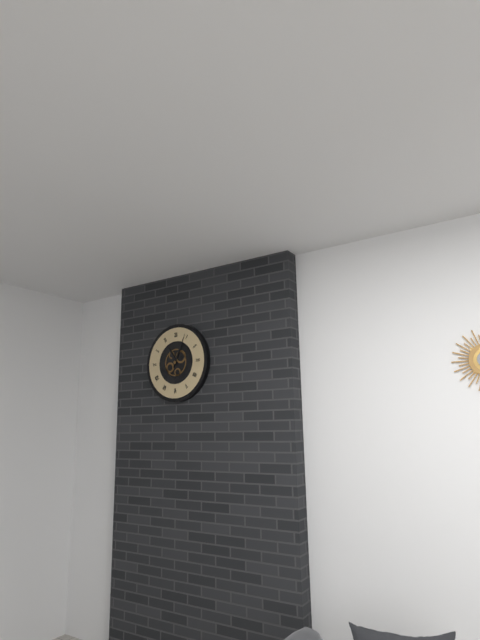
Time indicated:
11 h 04 min
